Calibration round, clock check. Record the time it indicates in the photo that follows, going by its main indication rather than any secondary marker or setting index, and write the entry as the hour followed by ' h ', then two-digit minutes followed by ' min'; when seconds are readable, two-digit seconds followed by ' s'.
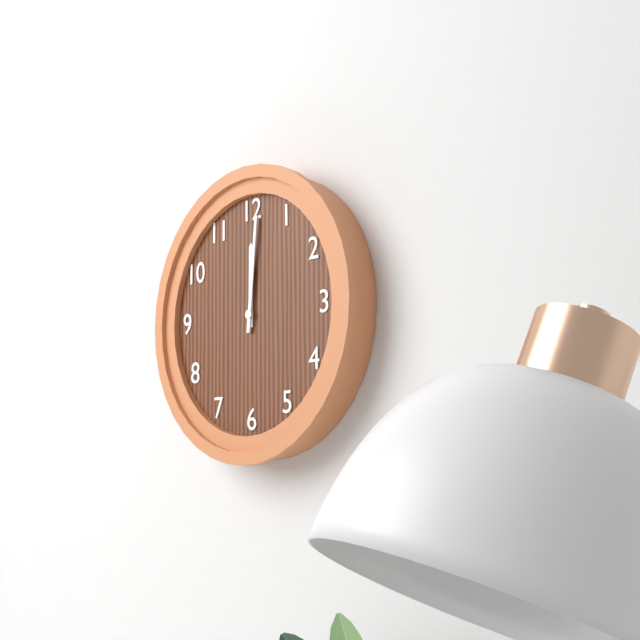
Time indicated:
12 h 01 min
